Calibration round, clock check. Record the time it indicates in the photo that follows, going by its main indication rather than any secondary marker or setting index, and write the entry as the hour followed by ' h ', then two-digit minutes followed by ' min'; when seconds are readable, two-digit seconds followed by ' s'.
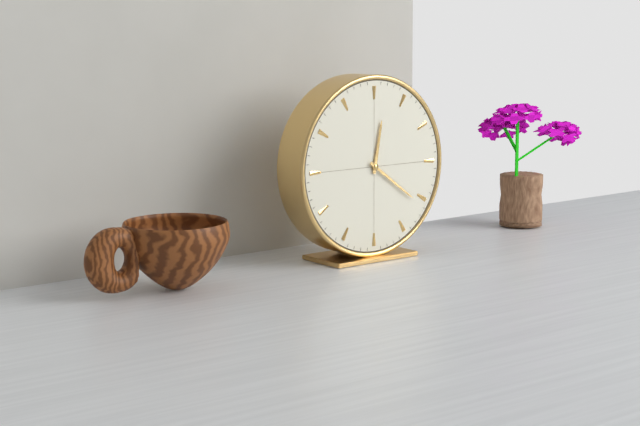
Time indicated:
12 h 21 min
